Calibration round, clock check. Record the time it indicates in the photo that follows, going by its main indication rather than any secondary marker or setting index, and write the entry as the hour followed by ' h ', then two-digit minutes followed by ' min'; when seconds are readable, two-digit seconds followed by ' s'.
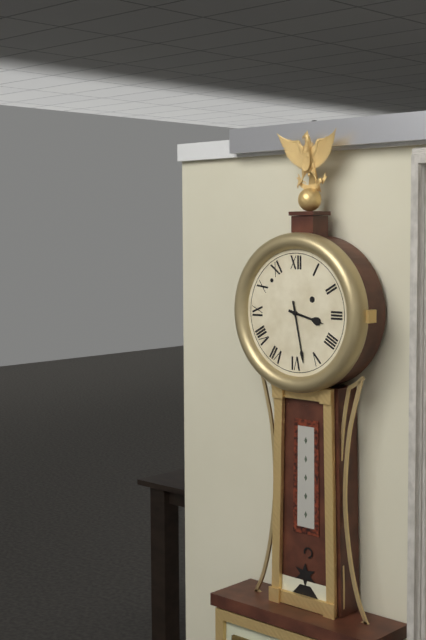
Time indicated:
3 h 28 min
